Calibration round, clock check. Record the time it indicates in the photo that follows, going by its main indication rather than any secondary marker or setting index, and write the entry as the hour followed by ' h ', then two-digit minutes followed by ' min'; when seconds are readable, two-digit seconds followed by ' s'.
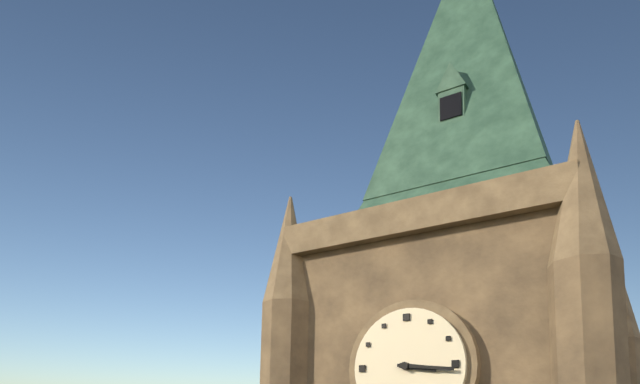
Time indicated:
3 h 16 min
